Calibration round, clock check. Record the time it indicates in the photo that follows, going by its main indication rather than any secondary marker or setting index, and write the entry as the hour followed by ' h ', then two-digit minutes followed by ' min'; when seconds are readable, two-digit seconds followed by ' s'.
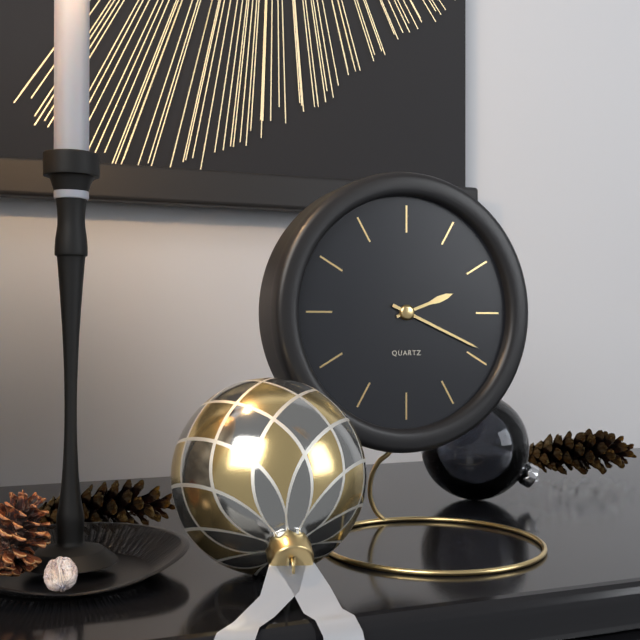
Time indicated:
2 h 19 min
